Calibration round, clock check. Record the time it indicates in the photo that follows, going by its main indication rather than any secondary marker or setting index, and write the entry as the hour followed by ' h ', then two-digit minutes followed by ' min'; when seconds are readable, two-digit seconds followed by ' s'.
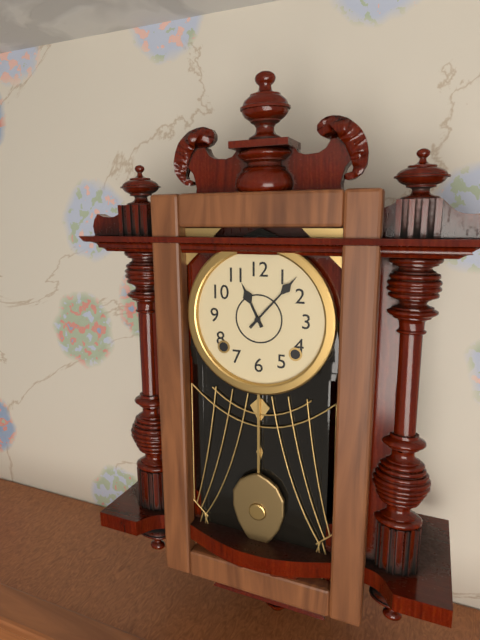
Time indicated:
11 h 07 min
